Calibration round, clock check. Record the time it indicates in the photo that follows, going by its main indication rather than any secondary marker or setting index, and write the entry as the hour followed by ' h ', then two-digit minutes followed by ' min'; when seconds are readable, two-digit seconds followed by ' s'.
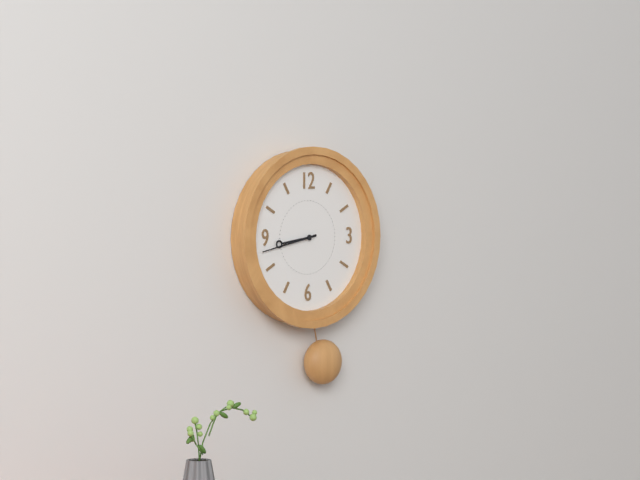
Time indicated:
8 h 43 min
